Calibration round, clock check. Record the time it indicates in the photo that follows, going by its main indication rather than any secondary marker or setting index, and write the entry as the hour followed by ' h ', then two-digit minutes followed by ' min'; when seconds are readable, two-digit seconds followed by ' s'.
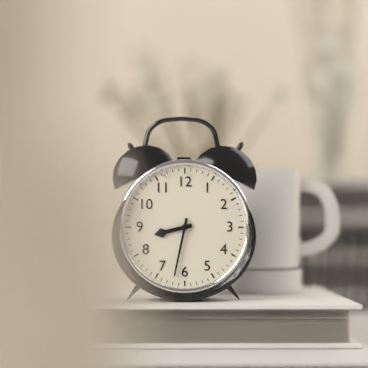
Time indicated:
8 h 32 min
